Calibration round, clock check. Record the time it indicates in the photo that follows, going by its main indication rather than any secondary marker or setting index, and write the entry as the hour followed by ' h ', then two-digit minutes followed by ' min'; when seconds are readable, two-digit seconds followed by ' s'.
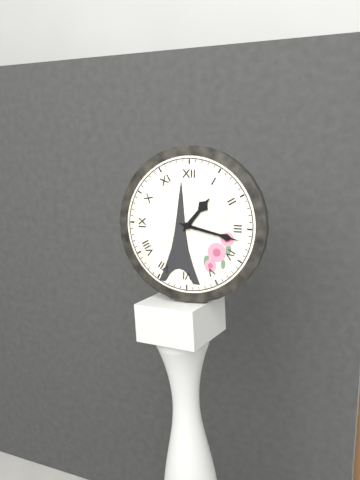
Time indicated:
1 h 17 min
